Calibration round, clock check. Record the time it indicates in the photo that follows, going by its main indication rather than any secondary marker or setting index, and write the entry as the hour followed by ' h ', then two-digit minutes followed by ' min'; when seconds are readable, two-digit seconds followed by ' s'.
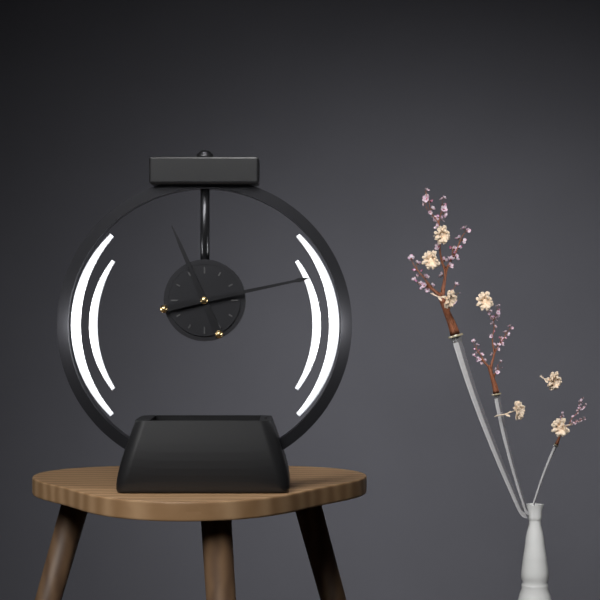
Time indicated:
11 h 13 min
